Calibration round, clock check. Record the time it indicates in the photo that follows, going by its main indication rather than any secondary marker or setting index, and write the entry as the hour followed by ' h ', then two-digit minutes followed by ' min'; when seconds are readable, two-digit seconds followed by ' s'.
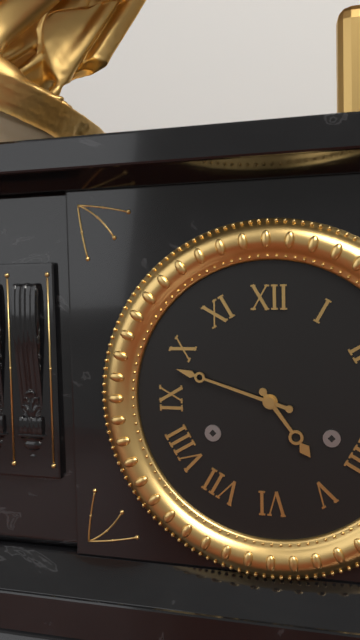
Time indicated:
4 h 48 min
